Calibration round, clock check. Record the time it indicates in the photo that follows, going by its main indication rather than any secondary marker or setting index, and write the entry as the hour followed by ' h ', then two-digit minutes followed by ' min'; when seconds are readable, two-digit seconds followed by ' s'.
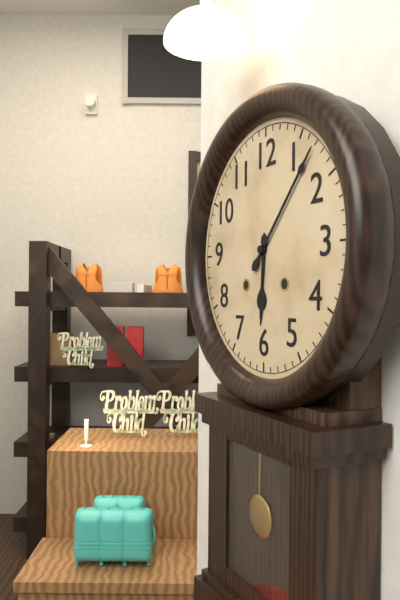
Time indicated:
6 h 07 min
